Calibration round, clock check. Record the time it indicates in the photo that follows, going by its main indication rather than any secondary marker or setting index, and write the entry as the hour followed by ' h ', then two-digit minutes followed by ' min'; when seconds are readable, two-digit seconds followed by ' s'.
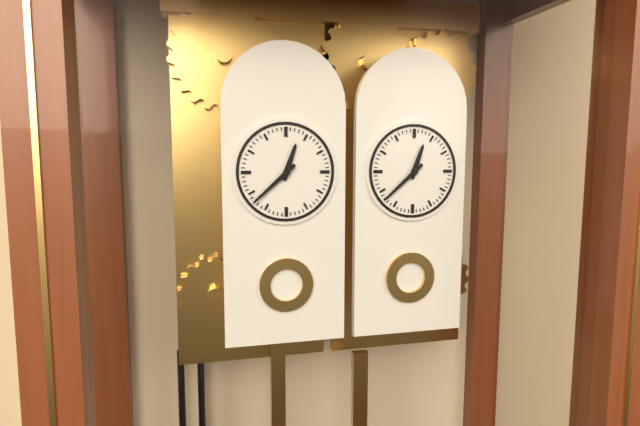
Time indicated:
12 h 38 min
